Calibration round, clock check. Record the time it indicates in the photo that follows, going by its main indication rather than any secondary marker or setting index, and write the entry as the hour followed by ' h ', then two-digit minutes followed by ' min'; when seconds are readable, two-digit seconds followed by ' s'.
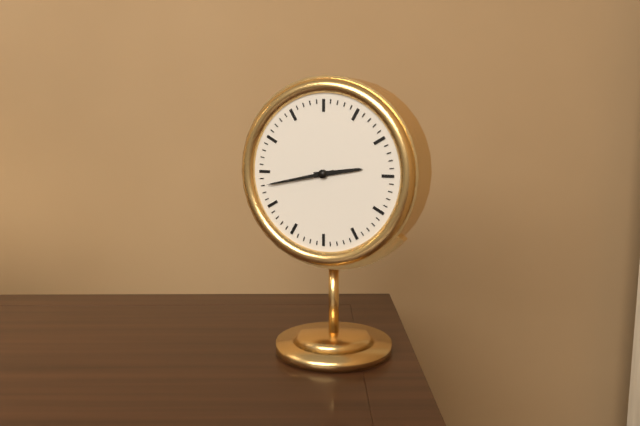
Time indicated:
2 h 43 min
